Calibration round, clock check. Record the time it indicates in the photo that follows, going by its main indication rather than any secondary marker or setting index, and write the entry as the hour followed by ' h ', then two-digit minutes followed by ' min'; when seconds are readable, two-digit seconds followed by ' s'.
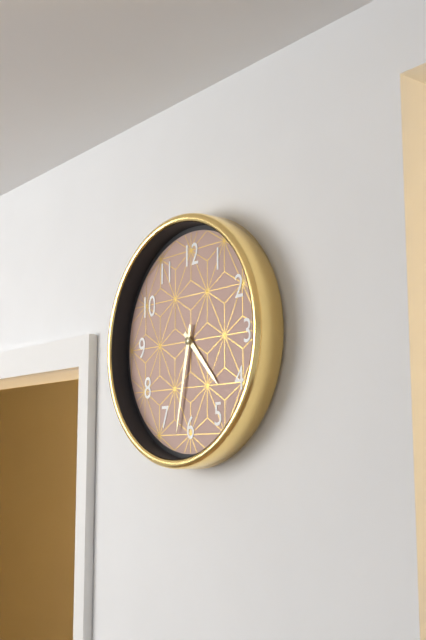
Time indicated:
4 h 32 min
